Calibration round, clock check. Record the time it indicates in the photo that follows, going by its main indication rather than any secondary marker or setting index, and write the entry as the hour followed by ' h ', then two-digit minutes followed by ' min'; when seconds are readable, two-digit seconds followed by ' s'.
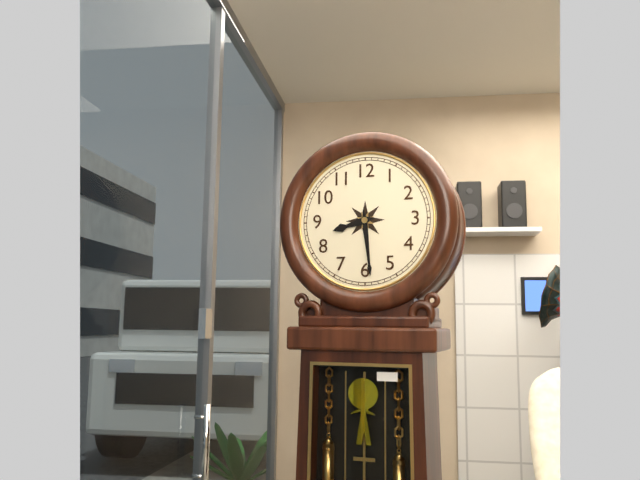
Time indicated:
8 h 29 min
